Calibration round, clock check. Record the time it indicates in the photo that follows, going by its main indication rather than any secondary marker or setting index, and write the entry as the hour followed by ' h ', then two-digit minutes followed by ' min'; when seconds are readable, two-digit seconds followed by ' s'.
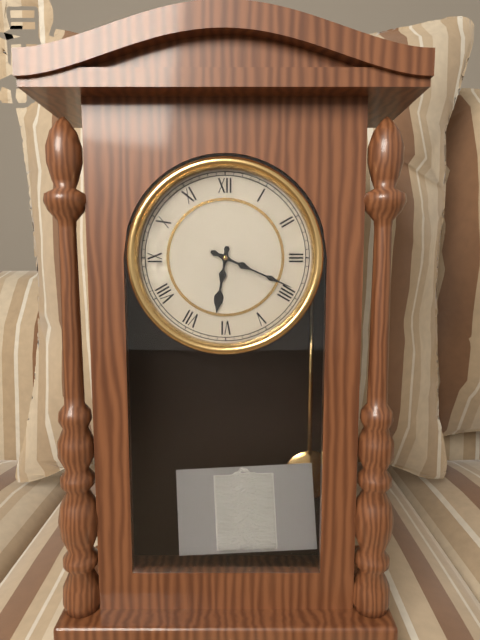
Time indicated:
6 h 19 min
